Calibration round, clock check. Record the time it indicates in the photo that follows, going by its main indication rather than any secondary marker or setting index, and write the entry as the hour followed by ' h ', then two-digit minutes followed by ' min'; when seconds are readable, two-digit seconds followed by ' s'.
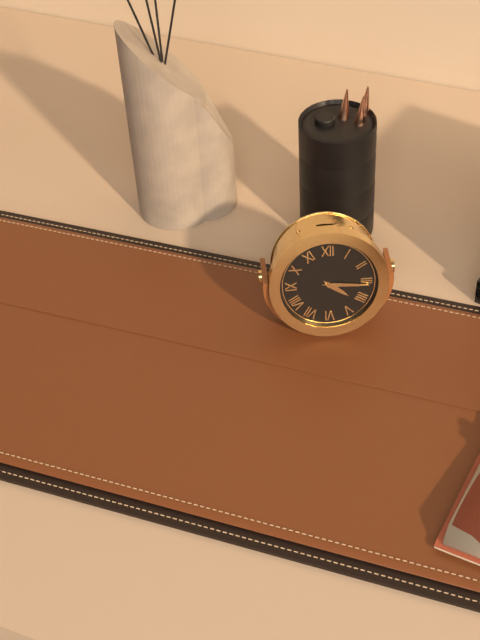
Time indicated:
4 h 16 min
